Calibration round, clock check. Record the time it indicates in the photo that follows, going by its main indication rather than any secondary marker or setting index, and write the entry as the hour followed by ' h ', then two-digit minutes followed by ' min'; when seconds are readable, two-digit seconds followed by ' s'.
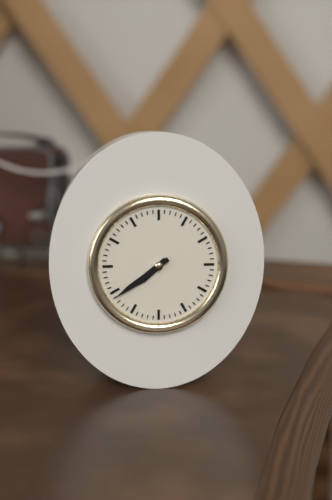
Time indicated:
7 h 39 min
